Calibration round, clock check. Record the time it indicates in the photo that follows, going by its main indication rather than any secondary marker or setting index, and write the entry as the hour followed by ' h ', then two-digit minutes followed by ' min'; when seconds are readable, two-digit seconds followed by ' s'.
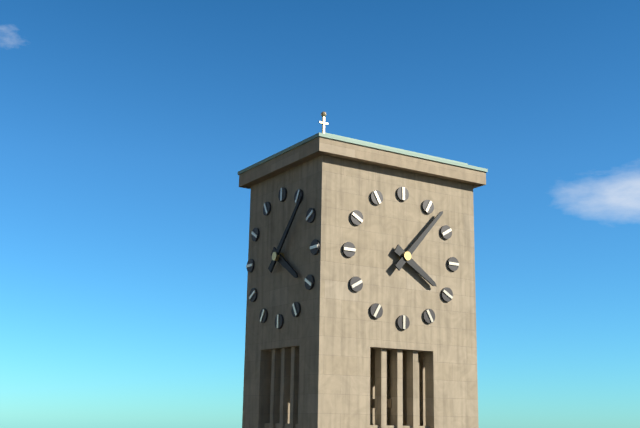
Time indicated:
4 h 07 min
